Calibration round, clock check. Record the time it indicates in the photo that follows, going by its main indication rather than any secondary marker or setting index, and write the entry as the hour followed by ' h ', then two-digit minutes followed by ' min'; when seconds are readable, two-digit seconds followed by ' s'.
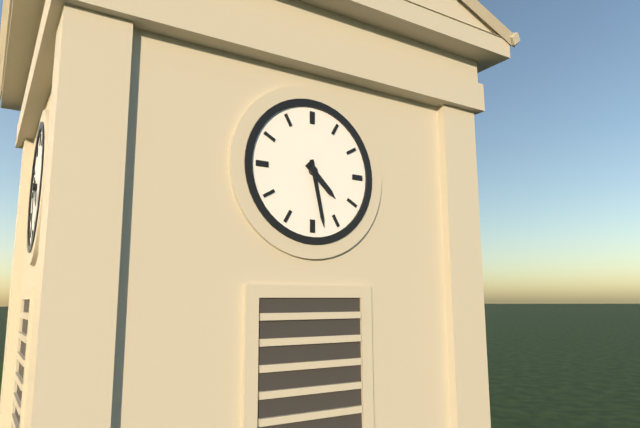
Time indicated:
4 h 28 min
